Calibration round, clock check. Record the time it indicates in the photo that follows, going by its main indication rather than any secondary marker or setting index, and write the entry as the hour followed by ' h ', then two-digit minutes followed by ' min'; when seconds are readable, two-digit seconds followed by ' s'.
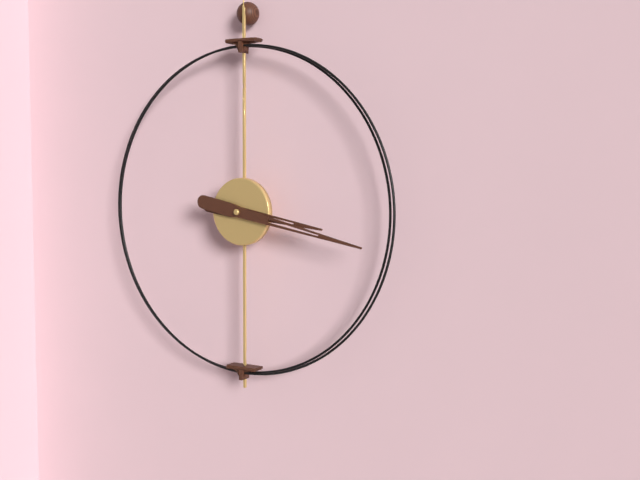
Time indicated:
3 h 17 min
